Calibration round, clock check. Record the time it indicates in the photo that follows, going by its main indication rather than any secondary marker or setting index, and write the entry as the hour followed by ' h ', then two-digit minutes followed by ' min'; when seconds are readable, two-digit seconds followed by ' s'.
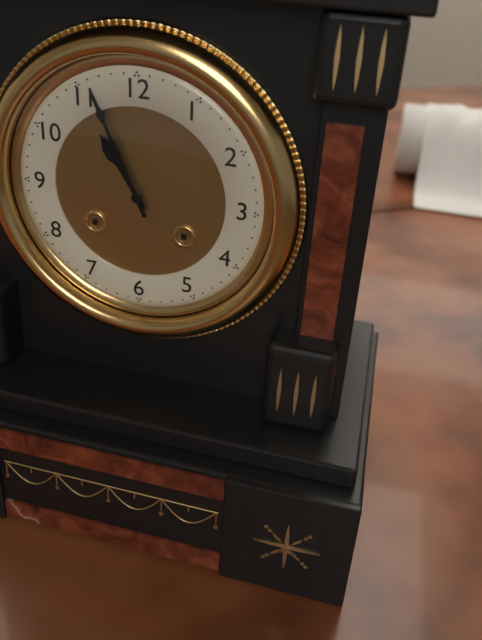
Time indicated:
10 h 56 min
